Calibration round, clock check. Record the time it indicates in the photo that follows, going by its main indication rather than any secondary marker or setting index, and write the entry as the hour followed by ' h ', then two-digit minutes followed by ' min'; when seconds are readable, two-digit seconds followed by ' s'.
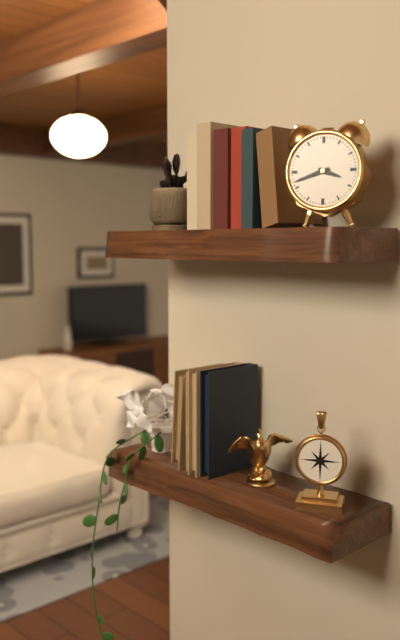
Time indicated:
3 h 42 min
